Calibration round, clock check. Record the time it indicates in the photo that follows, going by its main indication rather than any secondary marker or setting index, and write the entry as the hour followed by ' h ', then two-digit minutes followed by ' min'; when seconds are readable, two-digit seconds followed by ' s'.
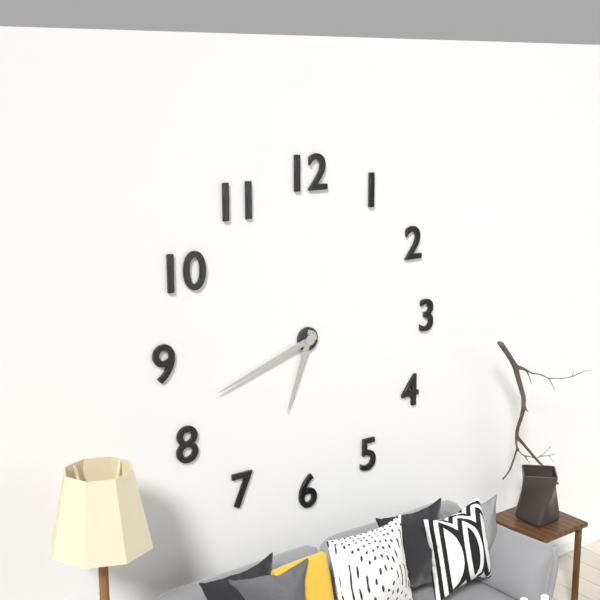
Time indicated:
6 h 42 min
